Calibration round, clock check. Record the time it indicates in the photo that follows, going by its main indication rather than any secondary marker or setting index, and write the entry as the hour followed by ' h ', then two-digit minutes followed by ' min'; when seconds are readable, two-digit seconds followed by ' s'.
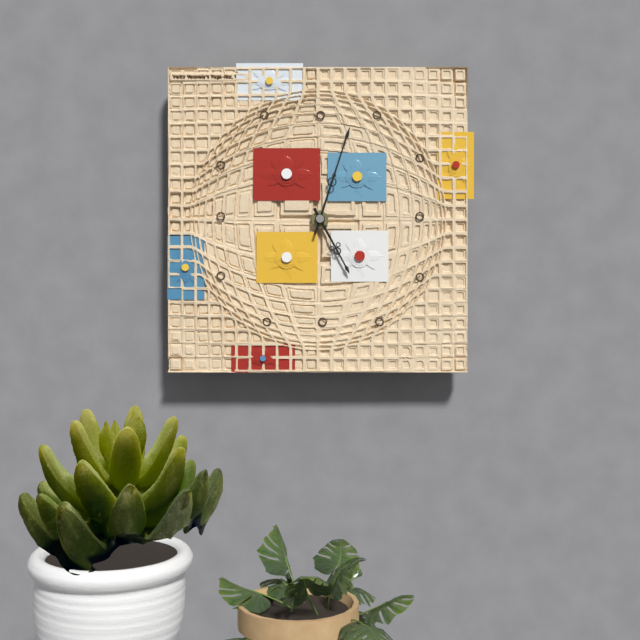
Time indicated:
5 h 03 min
